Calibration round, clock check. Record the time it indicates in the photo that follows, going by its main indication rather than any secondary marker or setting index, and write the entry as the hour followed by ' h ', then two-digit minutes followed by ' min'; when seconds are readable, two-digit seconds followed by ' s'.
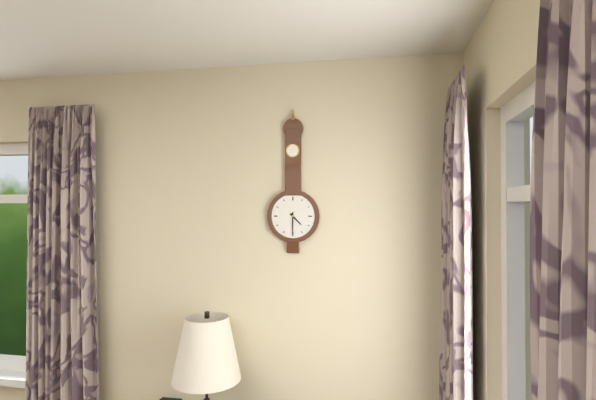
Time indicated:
4 h 30 min
